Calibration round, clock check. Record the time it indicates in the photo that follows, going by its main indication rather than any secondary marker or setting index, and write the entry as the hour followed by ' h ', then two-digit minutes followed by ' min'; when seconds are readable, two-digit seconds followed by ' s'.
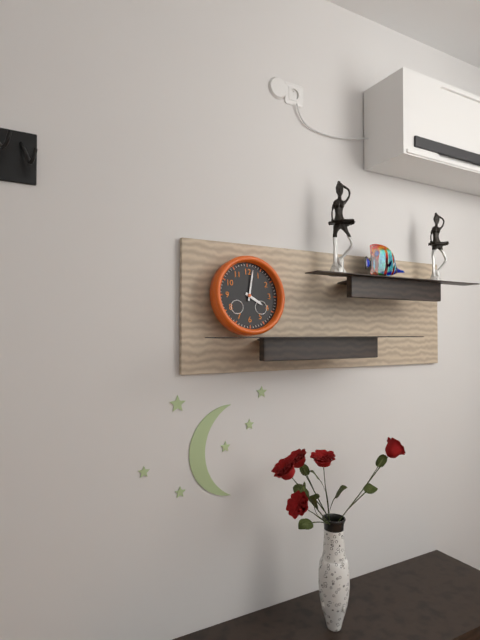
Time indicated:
4 h 02 min
